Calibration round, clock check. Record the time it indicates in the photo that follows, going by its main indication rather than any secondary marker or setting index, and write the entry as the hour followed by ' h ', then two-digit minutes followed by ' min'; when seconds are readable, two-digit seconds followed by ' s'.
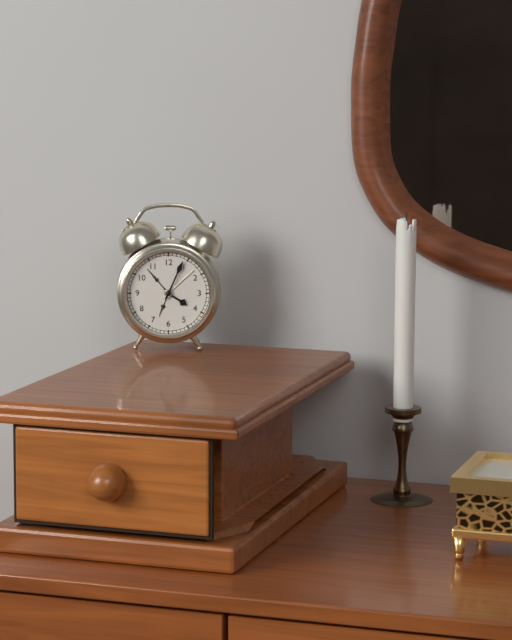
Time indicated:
4 h 04 min
